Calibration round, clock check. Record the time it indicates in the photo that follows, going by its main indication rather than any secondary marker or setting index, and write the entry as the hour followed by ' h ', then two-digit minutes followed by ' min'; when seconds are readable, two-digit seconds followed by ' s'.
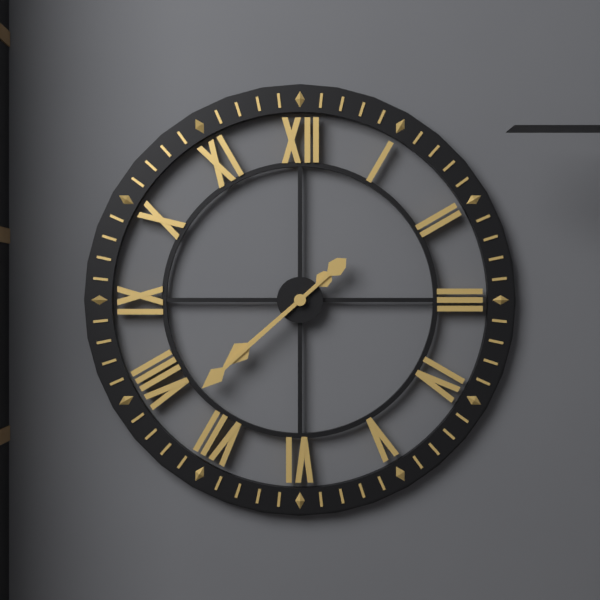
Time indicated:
7 h 38 min
